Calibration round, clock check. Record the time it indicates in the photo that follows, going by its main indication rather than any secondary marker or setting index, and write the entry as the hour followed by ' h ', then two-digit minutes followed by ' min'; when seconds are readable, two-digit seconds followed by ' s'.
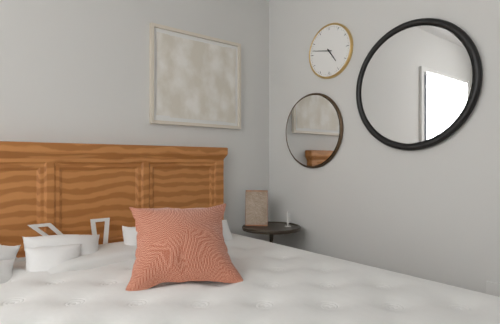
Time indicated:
4 h 47 min
